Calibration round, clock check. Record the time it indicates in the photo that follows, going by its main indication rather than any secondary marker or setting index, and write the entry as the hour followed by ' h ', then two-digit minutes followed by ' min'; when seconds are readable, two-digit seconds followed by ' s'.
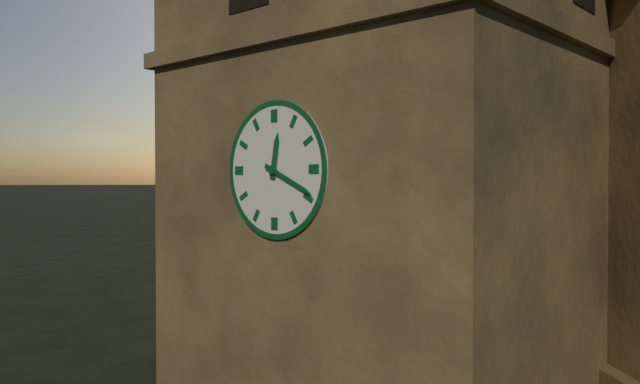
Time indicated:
12 h 19 min
